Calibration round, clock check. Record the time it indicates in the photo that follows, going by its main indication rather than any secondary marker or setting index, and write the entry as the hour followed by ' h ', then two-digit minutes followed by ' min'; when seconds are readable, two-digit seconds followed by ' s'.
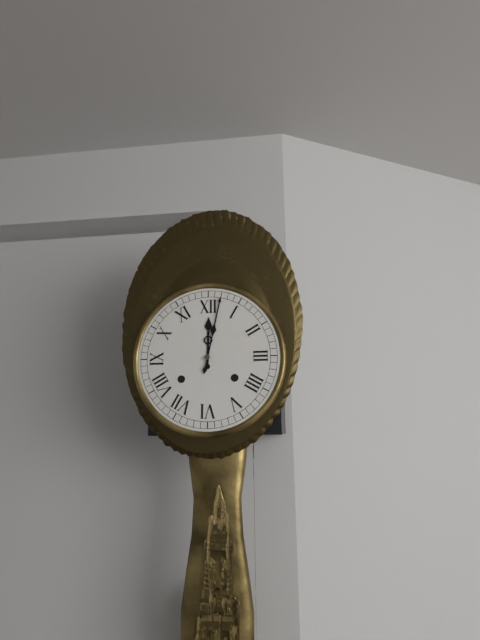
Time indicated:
12 h 02 min
